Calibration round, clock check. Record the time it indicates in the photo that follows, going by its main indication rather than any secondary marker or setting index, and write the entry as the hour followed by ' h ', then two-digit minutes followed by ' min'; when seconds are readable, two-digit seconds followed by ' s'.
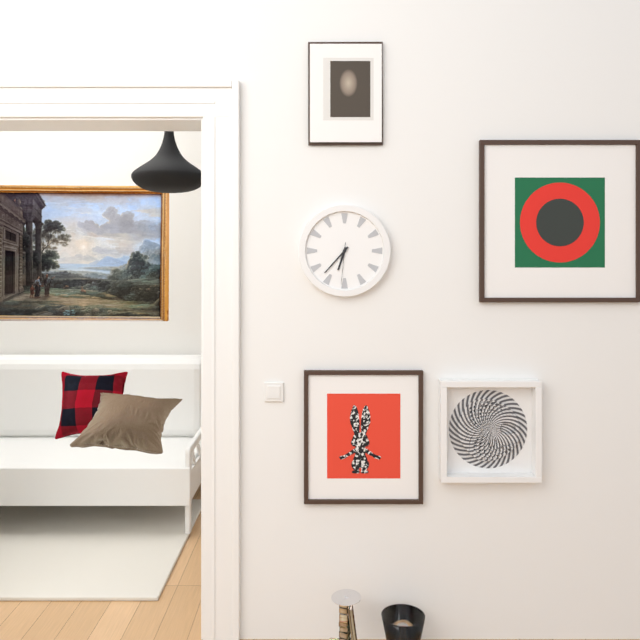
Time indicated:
6 h 37 min
